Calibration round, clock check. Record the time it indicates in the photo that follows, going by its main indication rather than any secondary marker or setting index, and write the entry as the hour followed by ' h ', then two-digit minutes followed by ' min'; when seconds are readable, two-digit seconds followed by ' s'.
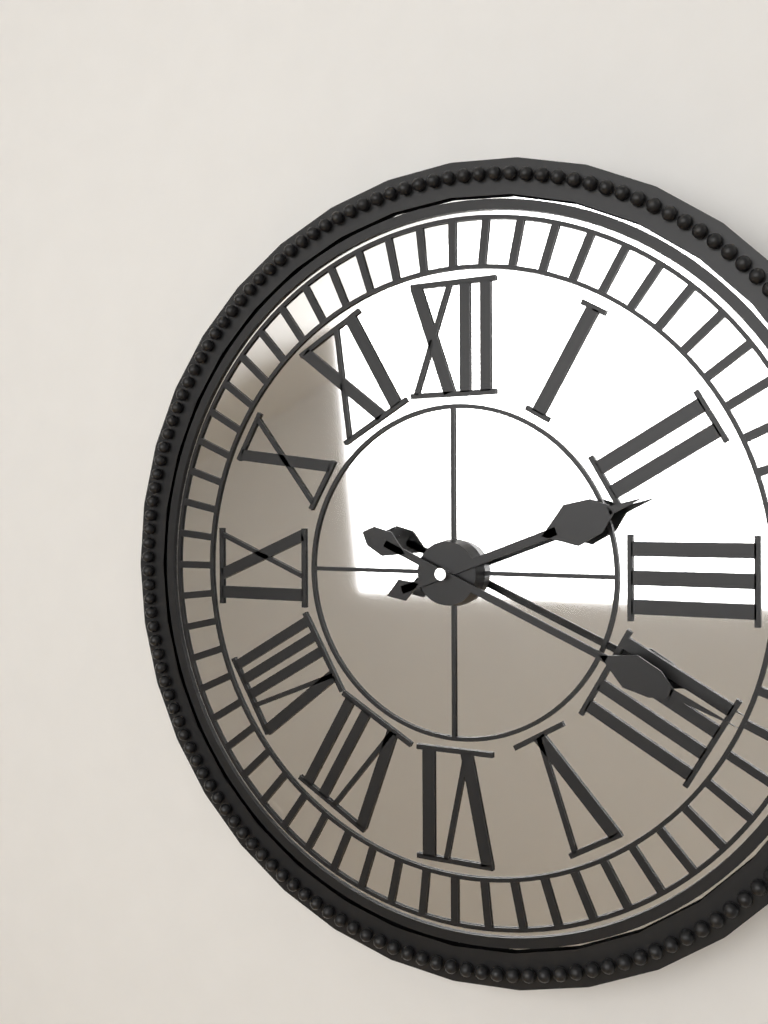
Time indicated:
2 h 19 min
